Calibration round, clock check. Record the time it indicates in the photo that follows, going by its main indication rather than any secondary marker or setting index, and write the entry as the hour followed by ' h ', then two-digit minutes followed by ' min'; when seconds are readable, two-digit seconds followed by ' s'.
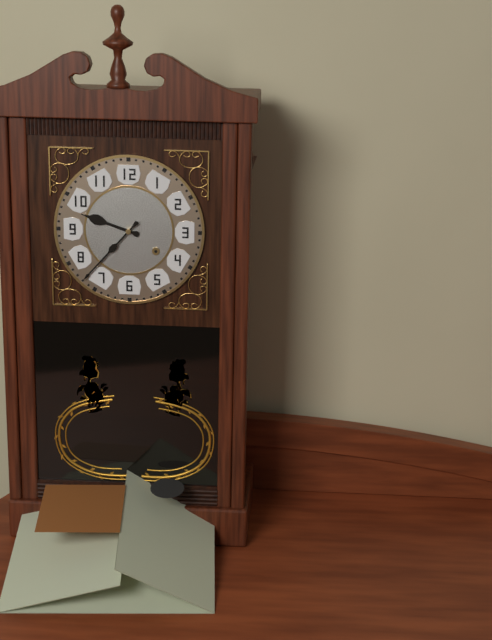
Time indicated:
9 h 37 min
